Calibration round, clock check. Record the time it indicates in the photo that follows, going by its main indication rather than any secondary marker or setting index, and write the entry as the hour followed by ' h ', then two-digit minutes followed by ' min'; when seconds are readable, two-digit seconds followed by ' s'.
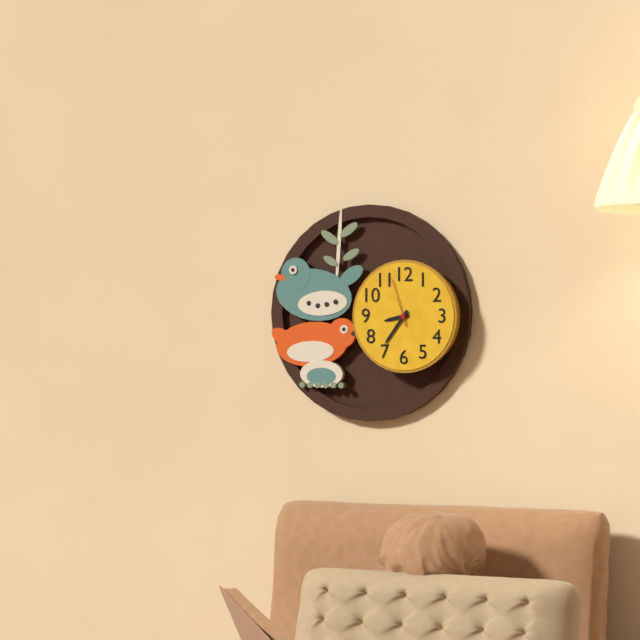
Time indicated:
8 h 36 min
